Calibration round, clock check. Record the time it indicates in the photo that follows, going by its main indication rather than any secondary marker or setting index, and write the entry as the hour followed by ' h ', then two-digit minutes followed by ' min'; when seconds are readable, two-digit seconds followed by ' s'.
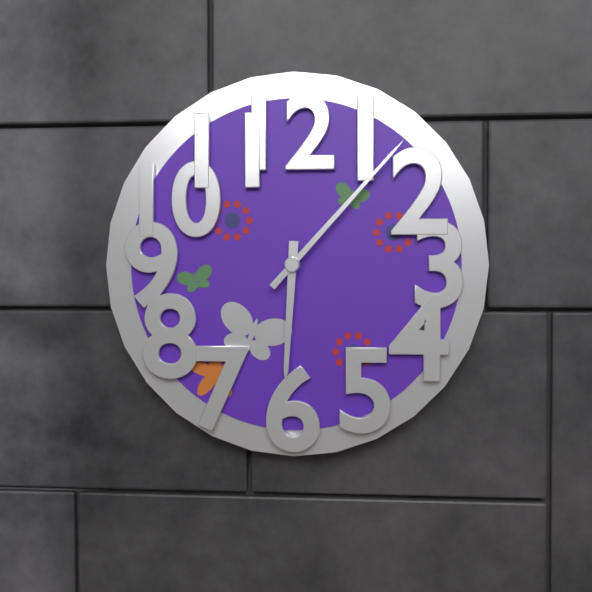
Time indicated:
6 h 07 min
